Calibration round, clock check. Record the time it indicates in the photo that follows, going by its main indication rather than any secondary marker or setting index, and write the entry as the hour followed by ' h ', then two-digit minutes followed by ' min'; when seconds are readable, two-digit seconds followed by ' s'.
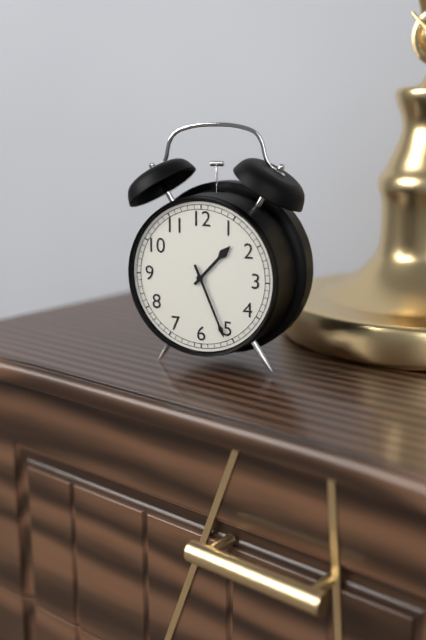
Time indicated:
1 h 26 min
